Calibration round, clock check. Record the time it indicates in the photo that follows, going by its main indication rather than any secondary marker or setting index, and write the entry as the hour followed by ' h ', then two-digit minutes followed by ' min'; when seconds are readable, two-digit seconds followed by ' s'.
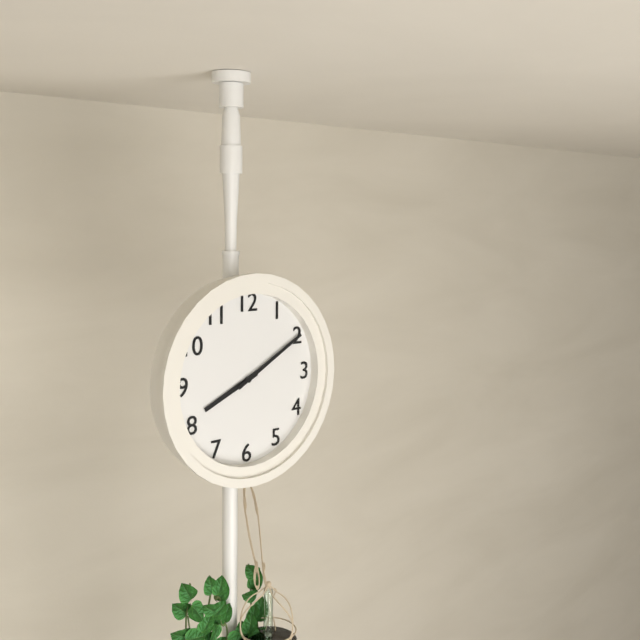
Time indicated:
8 h 10 min
